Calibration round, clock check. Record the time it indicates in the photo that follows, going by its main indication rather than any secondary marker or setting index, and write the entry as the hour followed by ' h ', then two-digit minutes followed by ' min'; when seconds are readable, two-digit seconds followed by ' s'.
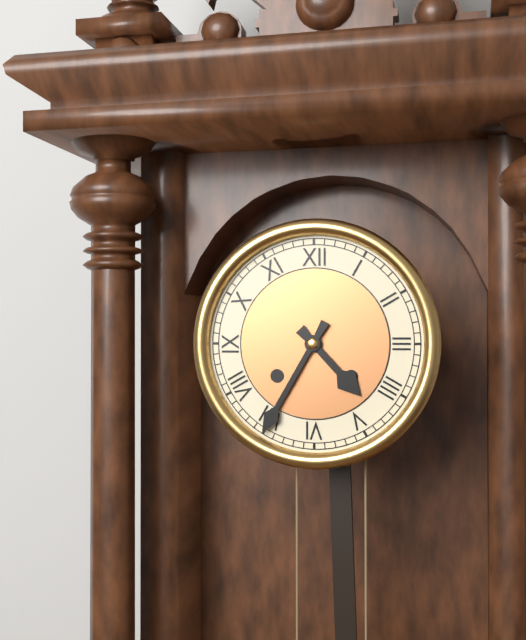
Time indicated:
4 h 35 min
